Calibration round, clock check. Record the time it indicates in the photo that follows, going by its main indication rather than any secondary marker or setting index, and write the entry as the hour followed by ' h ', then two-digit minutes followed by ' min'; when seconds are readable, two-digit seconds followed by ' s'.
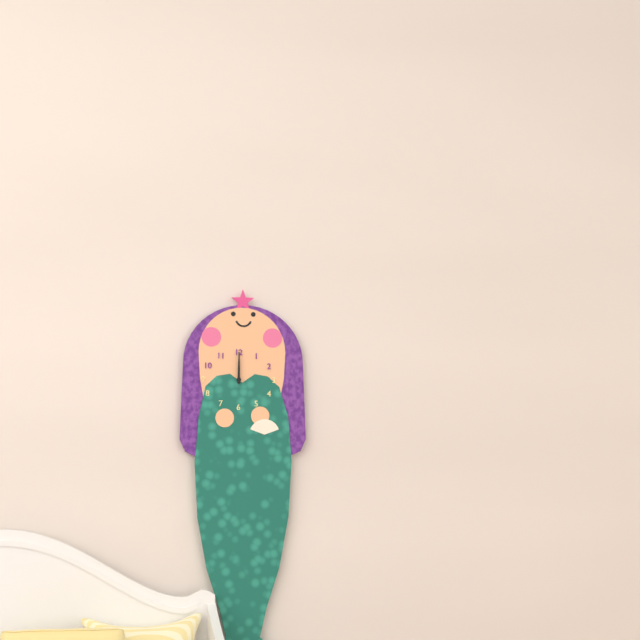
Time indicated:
12 h 00 min
